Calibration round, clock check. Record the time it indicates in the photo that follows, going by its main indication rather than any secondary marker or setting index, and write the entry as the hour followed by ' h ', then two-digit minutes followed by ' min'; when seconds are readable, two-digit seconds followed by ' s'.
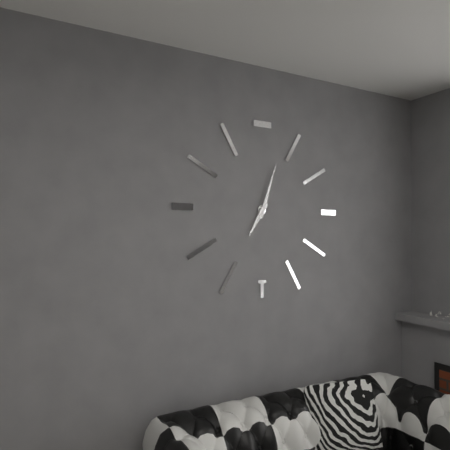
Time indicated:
7 h 03 min
